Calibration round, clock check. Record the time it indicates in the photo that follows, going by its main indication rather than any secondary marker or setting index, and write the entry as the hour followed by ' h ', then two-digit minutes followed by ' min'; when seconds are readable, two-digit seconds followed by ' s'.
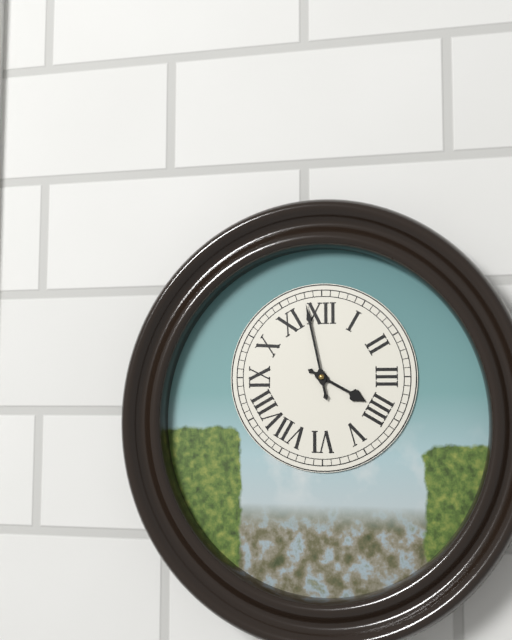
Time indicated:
3 h 58 min
